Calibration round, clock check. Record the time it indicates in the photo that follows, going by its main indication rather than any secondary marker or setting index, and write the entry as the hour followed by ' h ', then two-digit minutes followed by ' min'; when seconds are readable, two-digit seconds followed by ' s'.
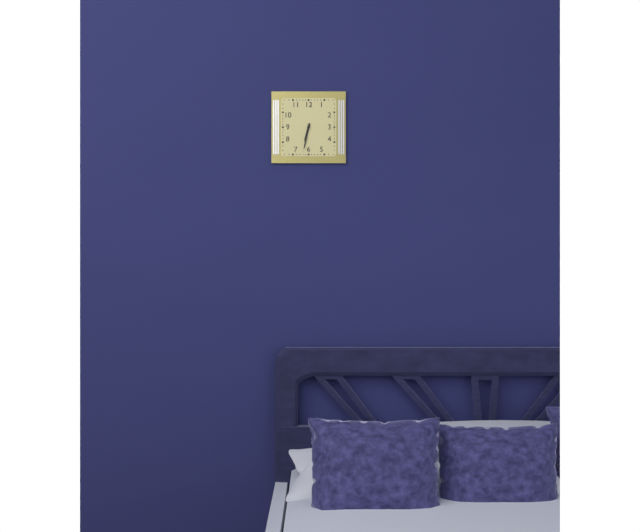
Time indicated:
6 h 32 min
